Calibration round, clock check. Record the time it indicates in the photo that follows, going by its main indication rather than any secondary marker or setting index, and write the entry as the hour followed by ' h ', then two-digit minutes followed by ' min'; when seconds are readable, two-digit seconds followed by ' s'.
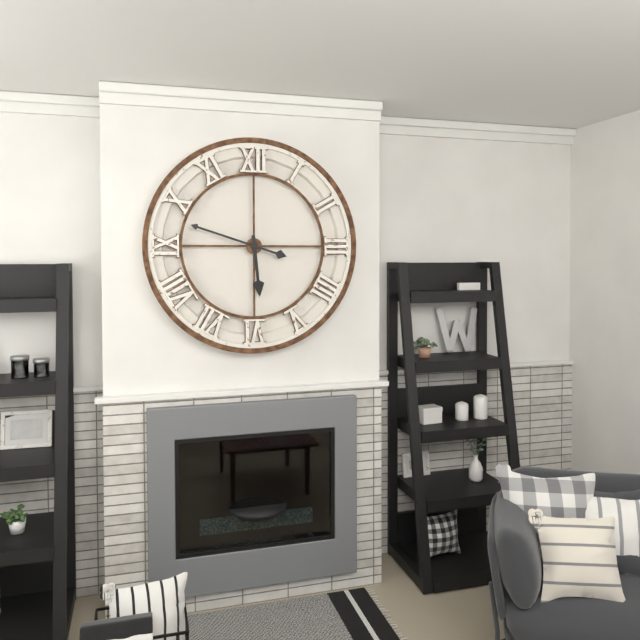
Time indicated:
5 h 48 min
